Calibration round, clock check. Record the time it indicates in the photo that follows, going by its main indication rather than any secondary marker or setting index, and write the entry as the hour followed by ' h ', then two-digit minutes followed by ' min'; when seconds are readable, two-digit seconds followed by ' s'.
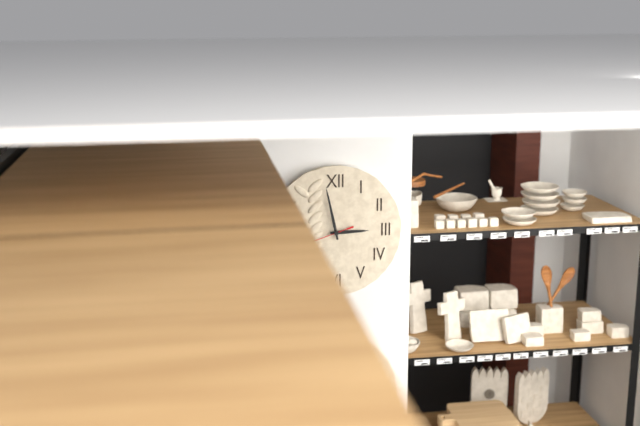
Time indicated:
2 h 58 min
